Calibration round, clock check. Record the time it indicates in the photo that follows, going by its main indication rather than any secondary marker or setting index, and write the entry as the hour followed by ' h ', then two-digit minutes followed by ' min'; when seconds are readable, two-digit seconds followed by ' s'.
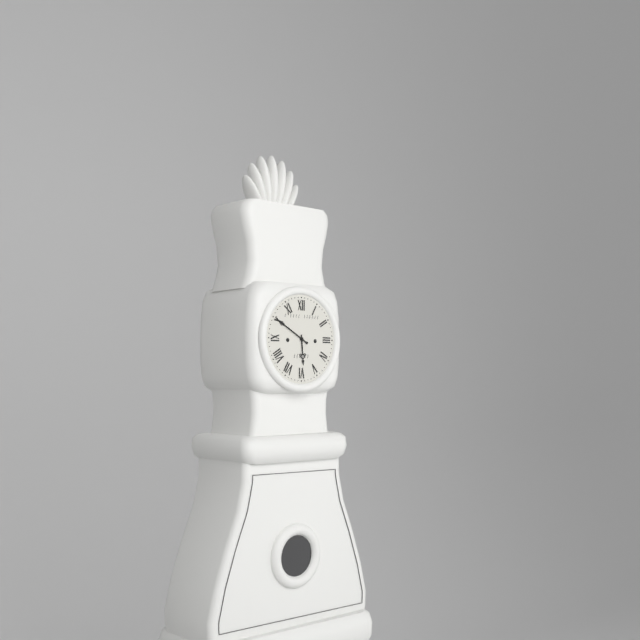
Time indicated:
5 h 50 min
